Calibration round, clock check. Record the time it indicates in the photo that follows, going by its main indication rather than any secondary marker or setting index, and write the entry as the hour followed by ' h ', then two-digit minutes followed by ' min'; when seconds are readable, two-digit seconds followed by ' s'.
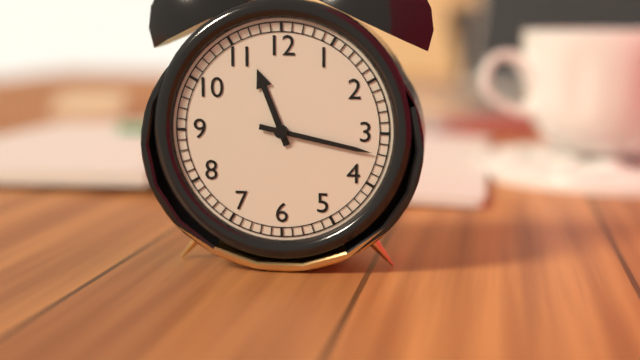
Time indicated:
11 h 17 min
